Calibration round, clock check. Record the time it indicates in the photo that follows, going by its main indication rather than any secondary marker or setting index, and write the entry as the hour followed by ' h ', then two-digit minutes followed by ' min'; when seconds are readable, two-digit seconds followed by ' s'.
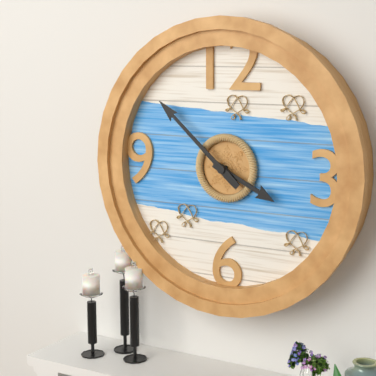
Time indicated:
3 h 52 min
